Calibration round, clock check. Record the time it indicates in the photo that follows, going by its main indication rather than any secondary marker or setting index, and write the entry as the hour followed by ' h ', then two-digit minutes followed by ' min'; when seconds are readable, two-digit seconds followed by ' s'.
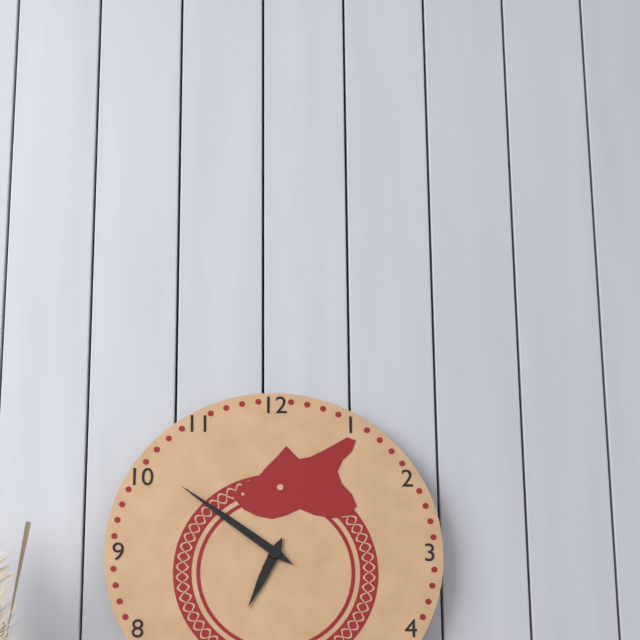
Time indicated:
6 h 51 min
